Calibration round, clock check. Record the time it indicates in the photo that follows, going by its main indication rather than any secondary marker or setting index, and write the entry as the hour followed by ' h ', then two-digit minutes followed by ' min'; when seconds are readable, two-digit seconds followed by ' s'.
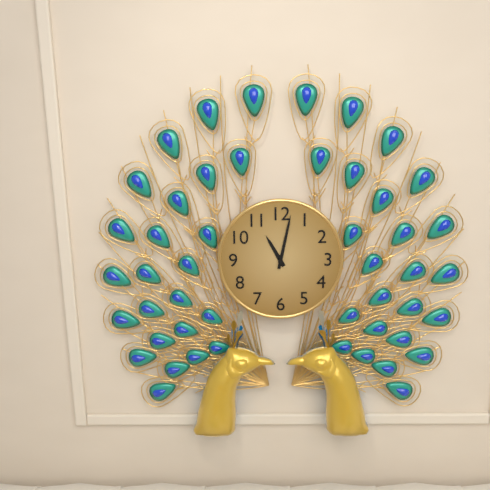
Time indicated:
11 h 02 min
